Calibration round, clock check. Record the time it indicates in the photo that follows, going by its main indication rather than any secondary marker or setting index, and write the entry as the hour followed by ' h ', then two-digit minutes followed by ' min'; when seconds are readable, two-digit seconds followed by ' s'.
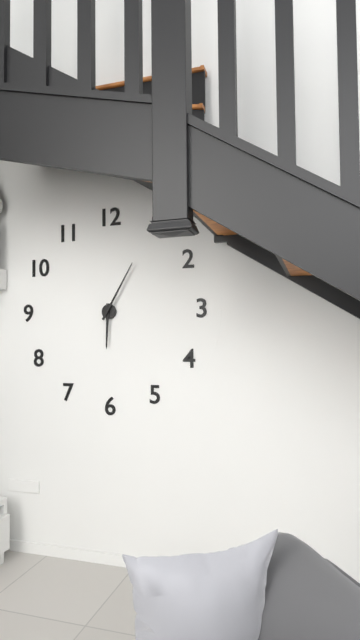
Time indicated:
6 h 05 min
